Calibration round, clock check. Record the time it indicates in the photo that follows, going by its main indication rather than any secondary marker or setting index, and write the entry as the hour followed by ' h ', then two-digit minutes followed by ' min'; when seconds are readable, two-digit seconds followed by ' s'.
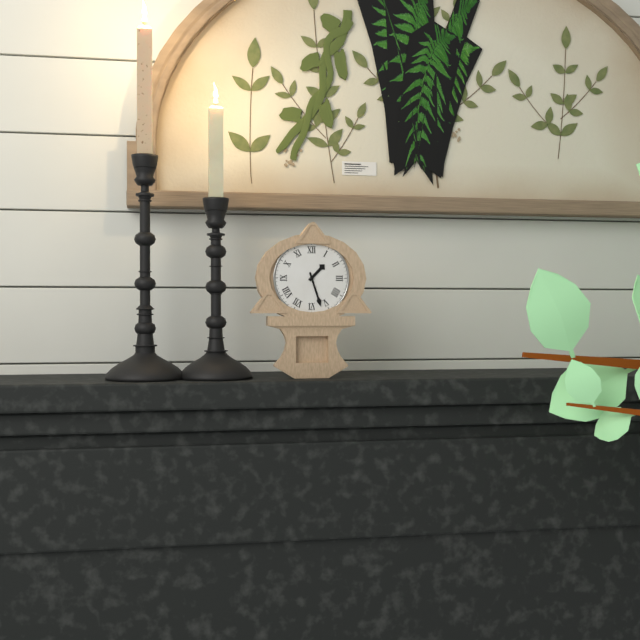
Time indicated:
1 h 27 min
